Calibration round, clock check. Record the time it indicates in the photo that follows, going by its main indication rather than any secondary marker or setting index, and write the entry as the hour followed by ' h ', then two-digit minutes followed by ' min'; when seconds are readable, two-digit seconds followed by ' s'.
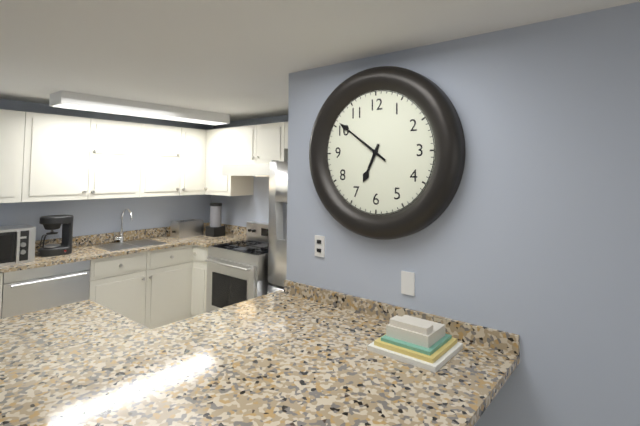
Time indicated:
6 h 51 min
